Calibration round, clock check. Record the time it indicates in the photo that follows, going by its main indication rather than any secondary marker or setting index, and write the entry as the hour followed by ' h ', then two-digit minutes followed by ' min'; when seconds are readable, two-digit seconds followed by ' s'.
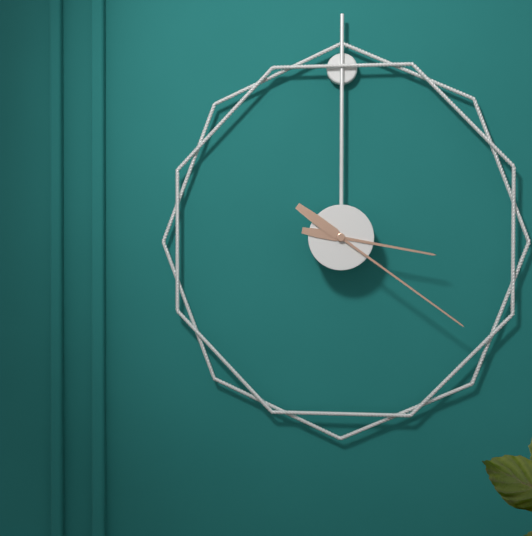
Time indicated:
3 h 21 min
